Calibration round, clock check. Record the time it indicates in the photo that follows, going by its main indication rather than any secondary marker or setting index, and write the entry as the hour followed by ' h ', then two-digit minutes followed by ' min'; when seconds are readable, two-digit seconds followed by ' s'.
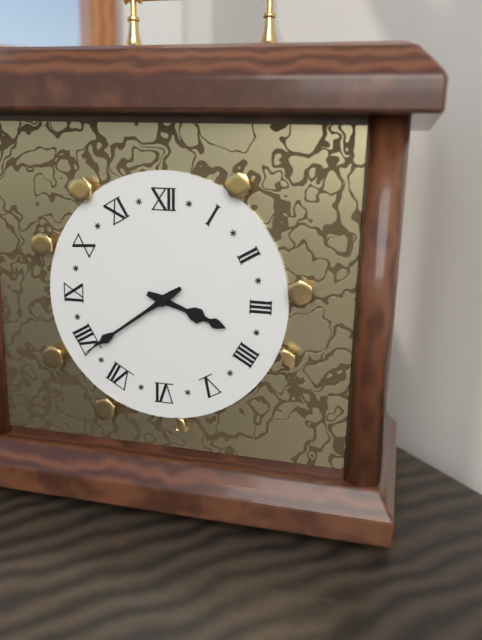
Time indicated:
3 h 39 min
